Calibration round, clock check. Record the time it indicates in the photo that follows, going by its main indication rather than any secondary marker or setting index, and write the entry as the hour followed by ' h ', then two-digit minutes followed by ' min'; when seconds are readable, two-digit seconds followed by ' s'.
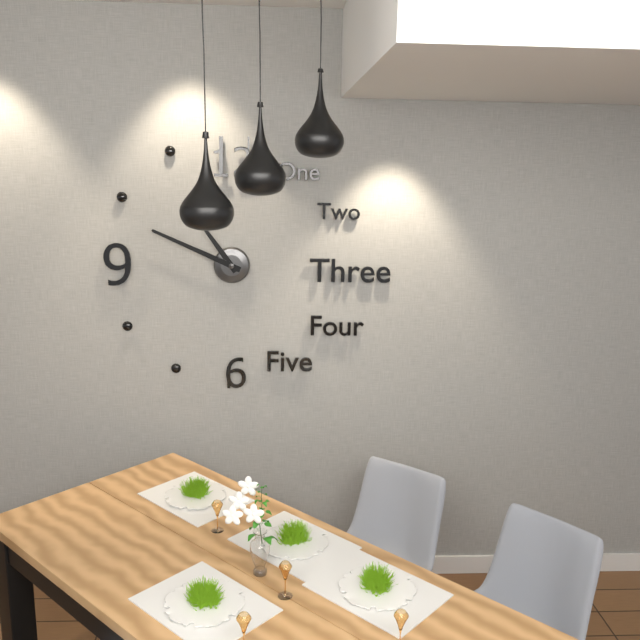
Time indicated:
10 h 49 min
